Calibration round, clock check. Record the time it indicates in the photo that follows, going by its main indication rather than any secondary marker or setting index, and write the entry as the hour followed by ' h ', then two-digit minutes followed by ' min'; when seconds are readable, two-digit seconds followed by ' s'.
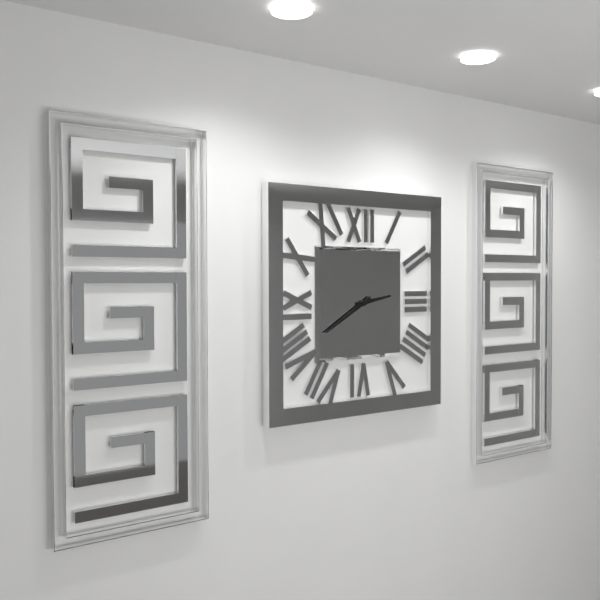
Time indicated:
2 h 40 min
